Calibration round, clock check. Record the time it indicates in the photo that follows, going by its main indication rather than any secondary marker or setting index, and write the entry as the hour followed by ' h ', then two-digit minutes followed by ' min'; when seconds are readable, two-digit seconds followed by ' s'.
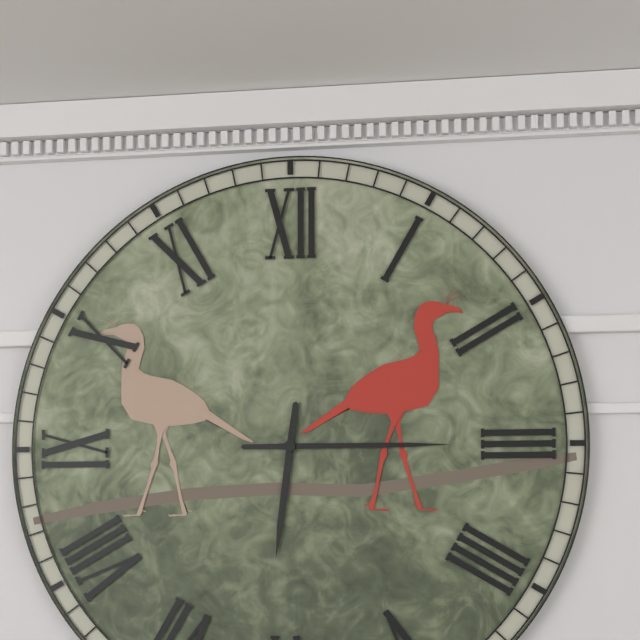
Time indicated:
6 h 15 min
